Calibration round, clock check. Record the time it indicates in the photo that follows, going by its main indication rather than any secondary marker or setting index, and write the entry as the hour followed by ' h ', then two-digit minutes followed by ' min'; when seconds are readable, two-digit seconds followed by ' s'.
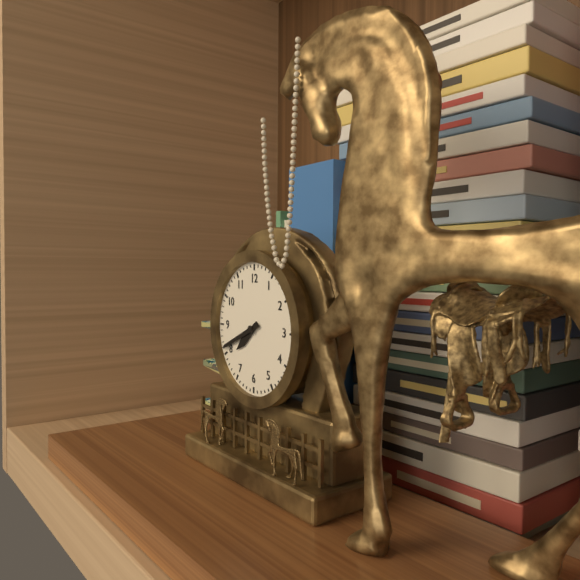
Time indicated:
7 h 41 min
